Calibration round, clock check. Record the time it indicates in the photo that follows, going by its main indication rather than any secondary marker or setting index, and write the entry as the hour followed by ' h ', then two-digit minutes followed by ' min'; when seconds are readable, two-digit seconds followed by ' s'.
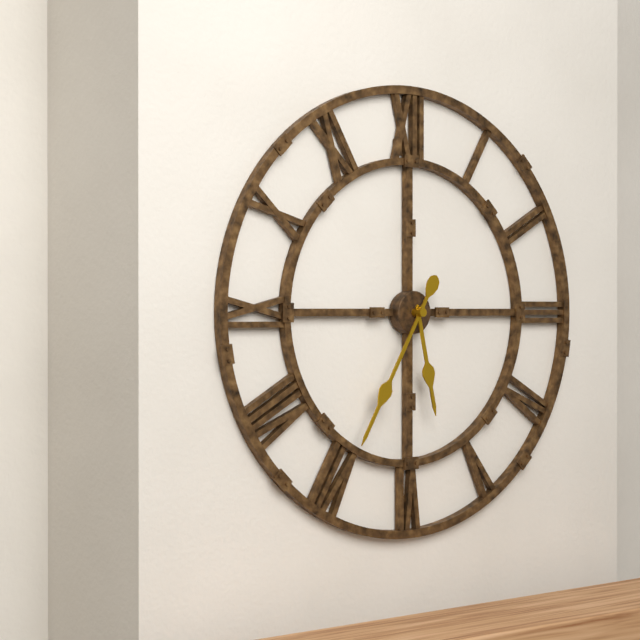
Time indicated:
5 h 35 min
